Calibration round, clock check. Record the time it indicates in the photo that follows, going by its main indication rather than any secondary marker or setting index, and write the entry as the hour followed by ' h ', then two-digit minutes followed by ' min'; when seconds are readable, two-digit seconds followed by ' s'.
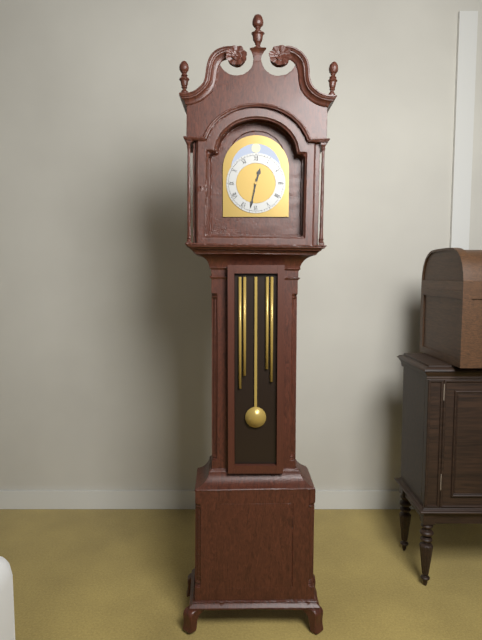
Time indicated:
12 h 32 min
